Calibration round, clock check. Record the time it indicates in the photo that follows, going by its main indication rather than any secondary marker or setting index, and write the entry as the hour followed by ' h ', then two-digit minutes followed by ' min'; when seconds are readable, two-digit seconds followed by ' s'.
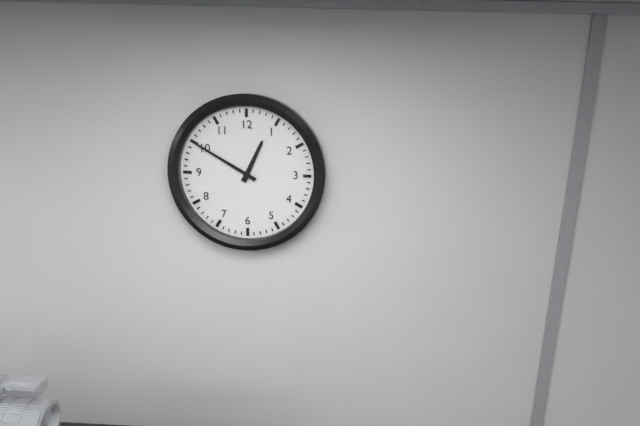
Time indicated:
12 h 50 min
